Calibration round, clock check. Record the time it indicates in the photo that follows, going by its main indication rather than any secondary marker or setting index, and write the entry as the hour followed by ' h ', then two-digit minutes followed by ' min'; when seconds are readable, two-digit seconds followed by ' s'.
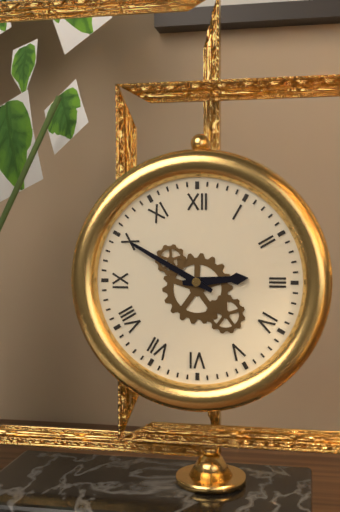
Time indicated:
2 h 50 min
